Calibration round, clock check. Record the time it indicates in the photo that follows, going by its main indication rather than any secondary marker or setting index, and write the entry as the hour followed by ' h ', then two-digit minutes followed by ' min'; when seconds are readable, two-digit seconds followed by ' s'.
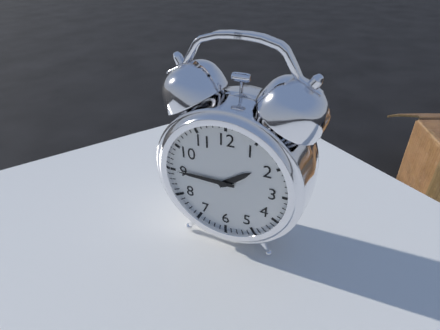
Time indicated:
1 h 45 min
